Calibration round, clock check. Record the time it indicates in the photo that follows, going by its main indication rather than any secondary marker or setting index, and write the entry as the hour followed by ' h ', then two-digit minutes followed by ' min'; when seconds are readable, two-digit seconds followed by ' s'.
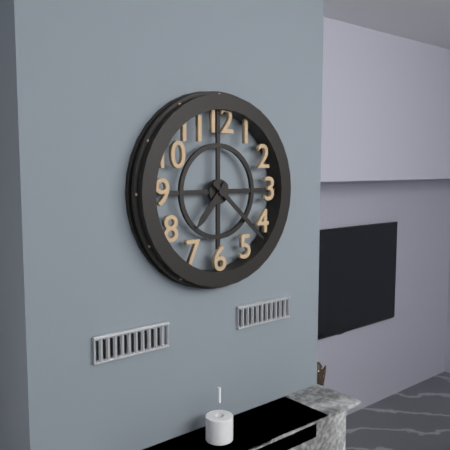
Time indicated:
7 h 22 min
